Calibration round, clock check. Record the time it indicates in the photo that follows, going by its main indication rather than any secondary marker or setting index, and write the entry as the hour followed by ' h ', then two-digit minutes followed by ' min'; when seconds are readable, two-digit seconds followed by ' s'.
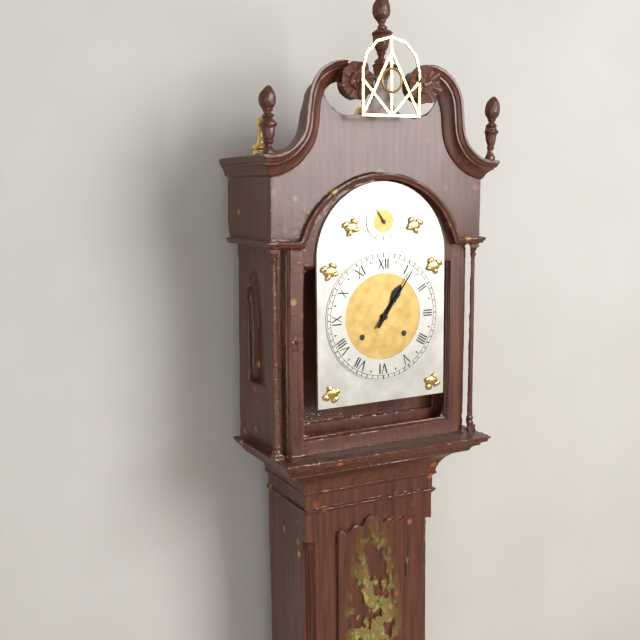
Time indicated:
1 h 06 min
